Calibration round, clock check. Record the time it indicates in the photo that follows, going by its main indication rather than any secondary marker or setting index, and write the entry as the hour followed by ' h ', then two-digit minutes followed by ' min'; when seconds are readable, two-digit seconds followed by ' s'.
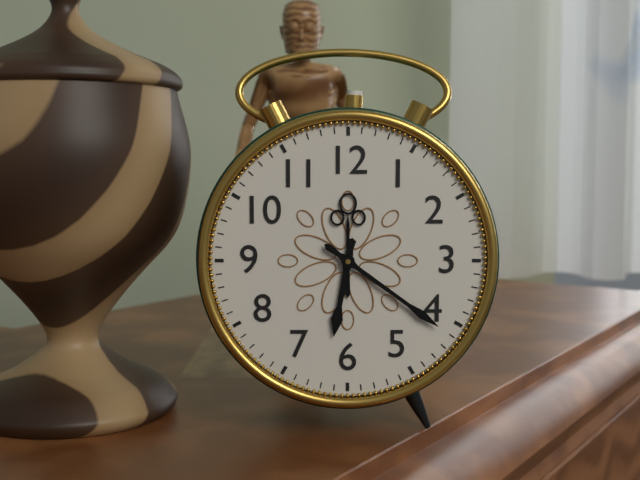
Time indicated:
6 h 21 min
